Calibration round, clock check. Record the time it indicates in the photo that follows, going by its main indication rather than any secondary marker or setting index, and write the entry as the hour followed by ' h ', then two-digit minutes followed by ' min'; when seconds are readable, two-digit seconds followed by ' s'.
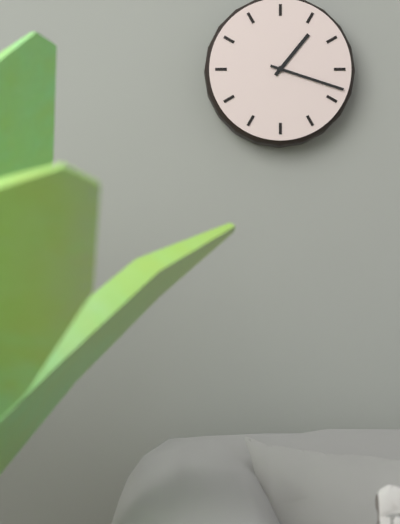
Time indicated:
1 h 18 min
